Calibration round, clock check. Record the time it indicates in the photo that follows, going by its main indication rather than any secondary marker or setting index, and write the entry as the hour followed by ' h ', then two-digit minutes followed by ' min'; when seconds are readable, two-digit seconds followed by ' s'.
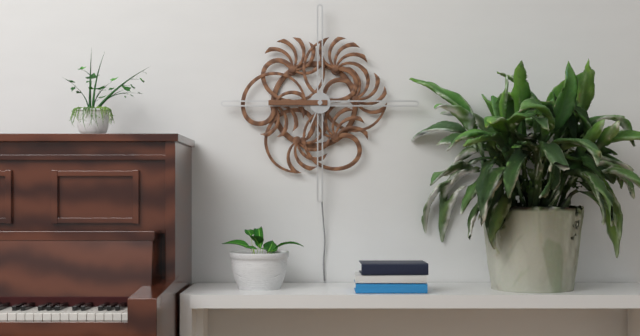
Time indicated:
6 h 45 min
